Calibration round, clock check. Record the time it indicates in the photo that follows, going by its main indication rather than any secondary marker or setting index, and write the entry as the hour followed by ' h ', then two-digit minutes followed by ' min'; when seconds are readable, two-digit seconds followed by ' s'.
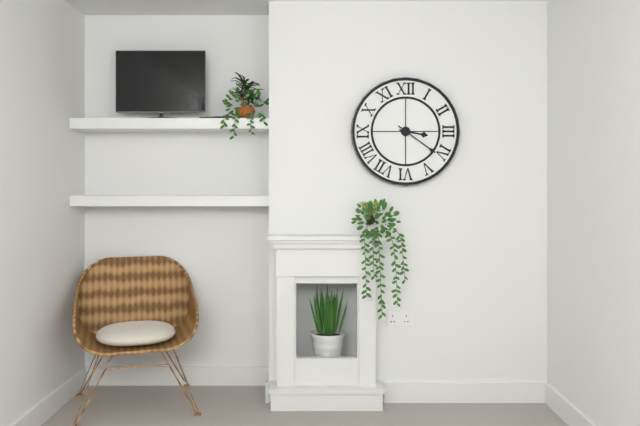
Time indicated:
3 h 21 min
